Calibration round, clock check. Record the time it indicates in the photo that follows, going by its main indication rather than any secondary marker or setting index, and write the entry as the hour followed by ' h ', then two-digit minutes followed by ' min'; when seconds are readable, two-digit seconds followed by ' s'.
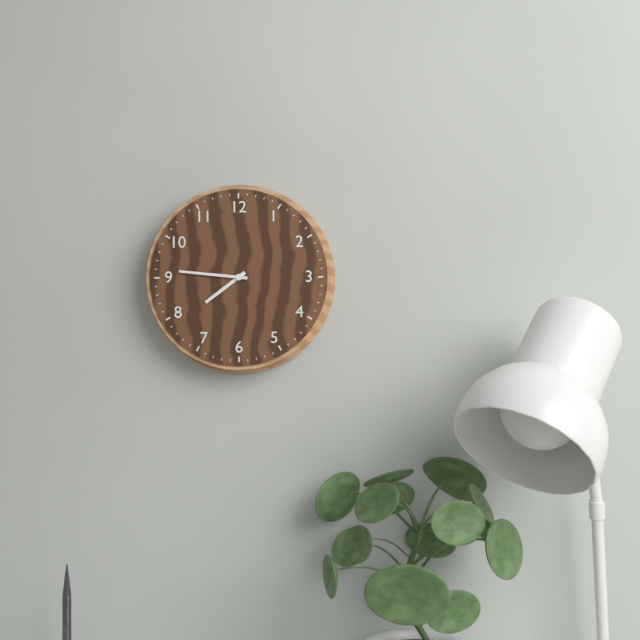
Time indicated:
7 h 46 min
